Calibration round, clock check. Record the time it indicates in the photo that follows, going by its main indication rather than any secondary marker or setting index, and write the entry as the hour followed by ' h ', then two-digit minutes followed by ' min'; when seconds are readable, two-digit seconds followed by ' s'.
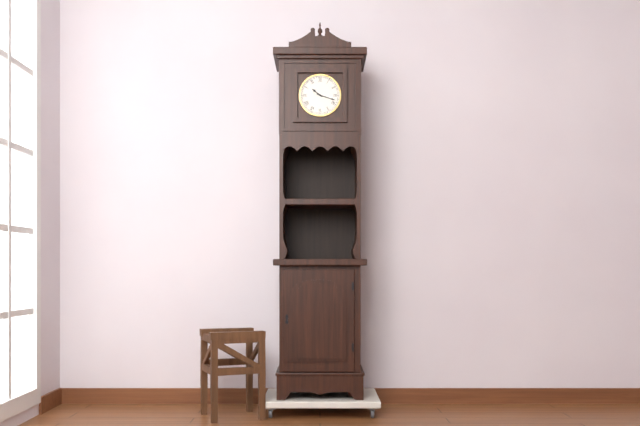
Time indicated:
10 h 18 min
